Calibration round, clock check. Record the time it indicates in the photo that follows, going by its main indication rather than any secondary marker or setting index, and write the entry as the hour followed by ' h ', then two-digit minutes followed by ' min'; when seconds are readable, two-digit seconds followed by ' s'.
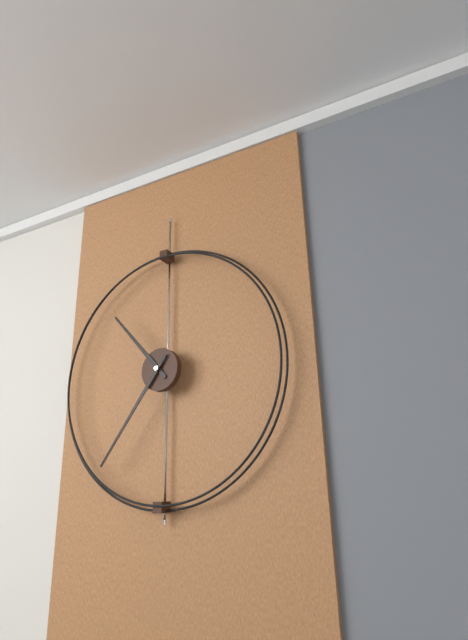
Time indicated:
10 h 36 min
